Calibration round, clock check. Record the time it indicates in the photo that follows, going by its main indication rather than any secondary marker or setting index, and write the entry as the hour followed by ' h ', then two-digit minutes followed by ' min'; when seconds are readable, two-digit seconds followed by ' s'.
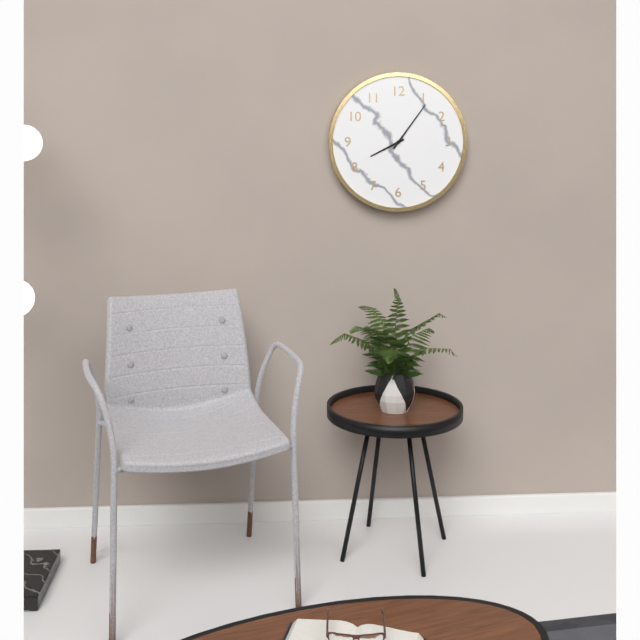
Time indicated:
8 h 06 min
